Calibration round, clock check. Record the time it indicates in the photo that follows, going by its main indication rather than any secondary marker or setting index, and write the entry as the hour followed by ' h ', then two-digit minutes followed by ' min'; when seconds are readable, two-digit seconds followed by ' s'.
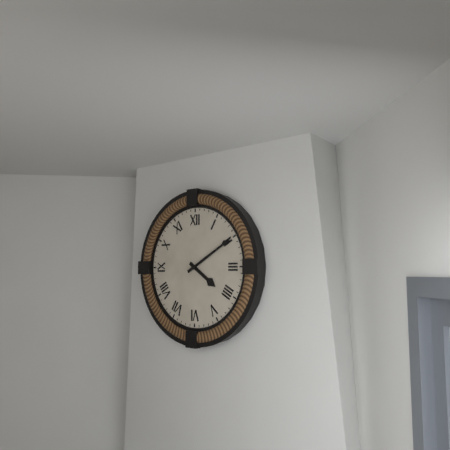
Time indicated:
4 h 10 min
